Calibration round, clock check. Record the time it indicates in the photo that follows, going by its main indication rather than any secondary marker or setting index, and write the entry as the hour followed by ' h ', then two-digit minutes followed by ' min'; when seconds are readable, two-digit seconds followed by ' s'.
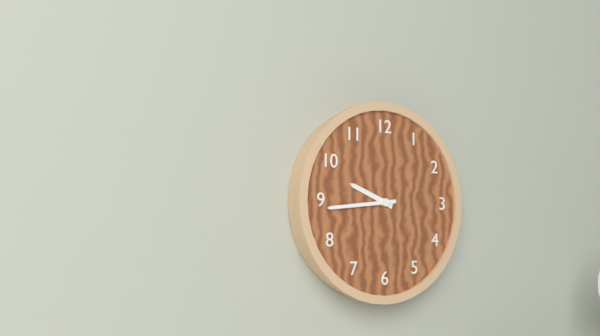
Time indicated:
9 h 44 min
